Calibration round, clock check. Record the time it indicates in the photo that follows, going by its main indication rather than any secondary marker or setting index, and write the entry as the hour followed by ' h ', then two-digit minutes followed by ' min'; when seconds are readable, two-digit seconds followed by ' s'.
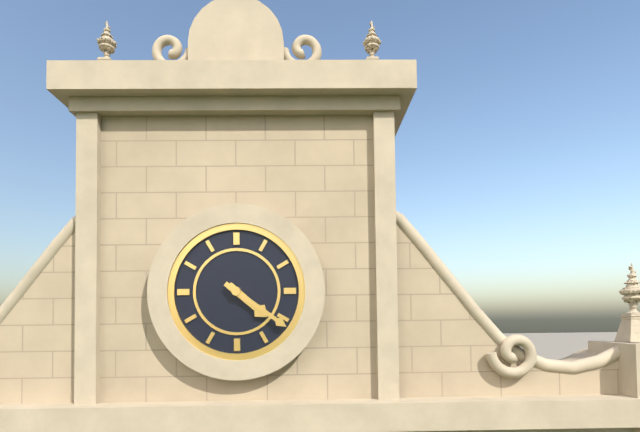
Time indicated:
4 h 21 min
